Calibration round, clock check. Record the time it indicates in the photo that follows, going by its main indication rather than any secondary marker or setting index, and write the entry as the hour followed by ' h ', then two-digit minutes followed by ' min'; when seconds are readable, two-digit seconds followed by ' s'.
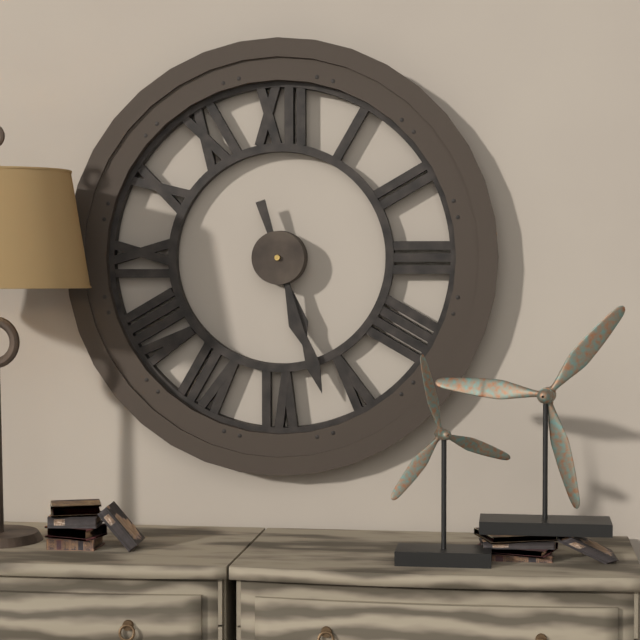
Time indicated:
5 h 27 min
